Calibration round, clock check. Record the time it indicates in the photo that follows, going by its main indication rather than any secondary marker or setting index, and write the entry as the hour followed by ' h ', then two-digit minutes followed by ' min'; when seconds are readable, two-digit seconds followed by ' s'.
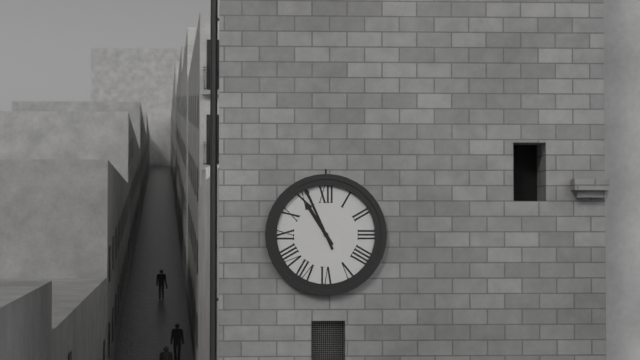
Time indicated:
10 h 56 min
